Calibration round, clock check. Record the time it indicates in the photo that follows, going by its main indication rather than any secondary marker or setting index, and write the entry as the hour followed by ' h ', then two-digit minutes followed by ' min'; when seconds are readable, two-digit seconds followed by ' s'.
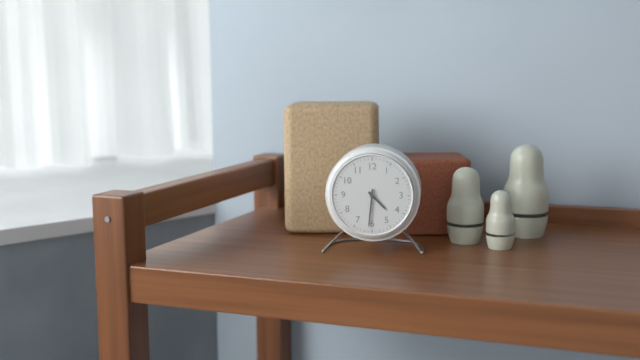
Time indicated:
4 h 31 min
